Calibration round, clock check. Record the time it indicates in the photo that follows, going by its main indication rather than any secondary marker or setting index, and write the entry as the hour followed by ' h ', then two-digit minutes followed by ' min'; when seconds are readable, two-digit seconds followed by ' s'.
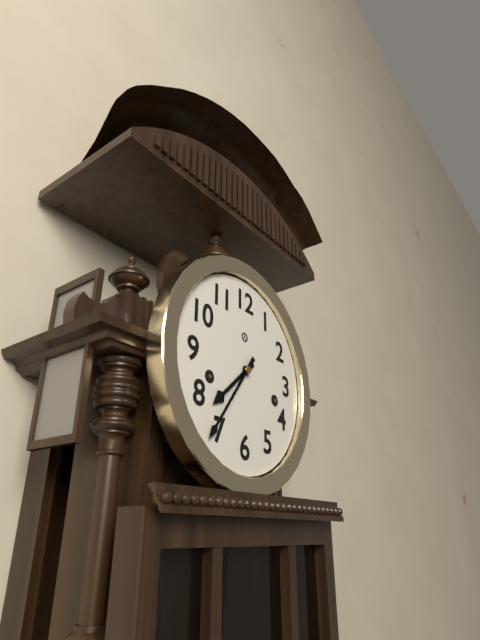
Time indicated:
7 h 36 min
